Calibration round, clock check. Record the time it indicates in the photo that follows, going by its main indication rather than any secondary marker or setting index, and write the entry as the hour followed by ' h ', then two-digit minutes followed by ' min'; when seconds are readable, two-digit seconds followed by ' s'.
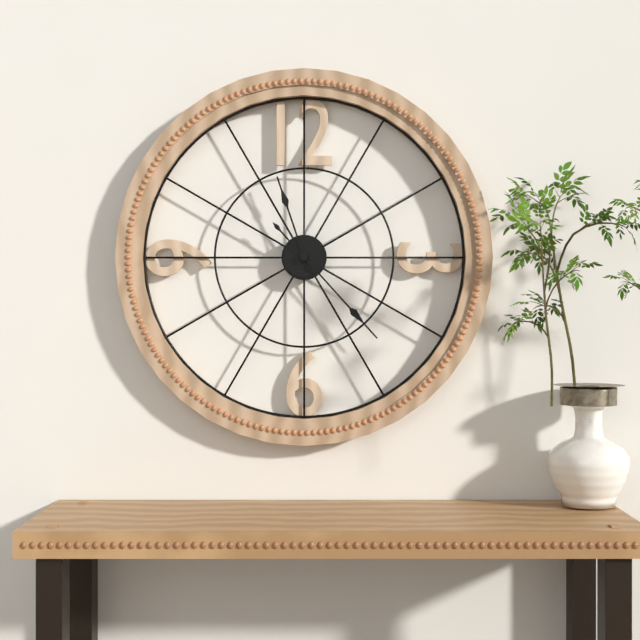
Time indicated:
11 h 23 min
